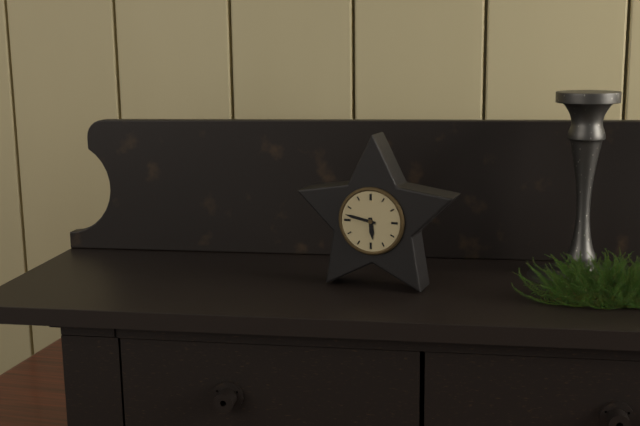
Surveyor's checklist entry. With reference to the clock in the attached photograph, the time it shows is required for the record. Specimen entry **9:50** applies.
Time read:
**5:47**
